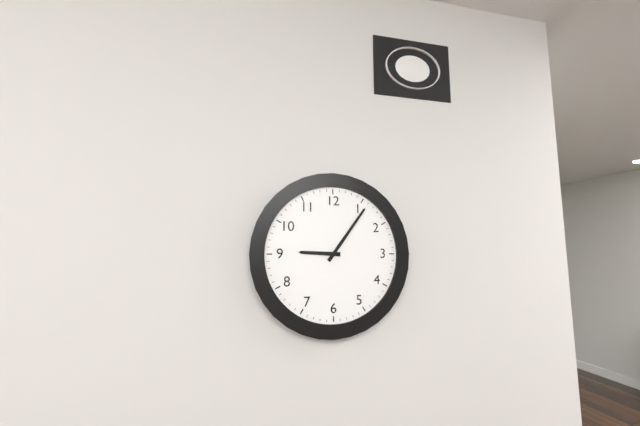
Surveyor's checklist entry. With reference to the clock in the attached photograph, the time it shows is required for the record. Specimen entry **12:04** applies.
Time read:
**9:06**
